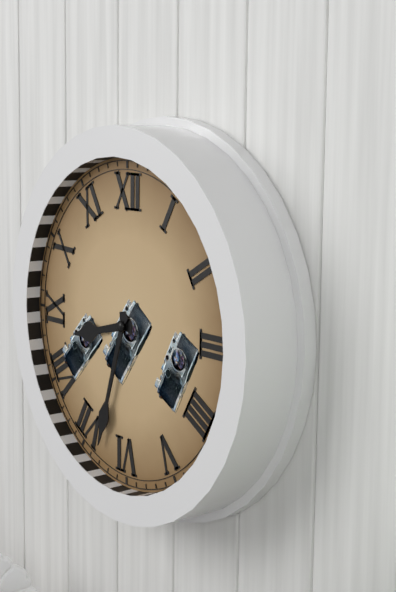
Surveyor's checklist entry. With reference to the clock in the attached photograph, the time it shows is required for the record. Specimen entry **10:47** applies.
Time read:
**8:33**
